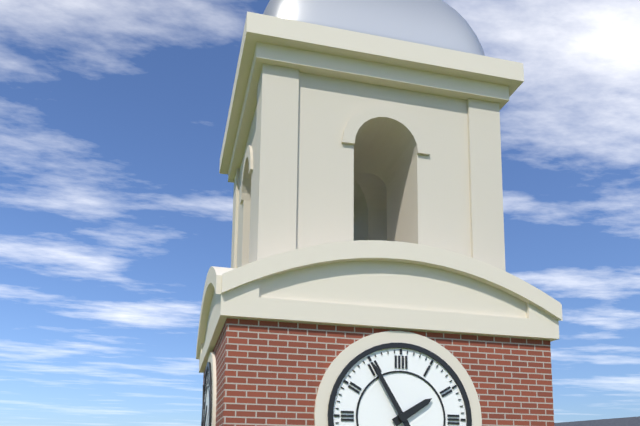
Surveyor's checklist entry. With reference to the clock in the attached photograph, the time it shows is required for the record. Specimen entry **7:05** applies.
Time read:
**1:55**
